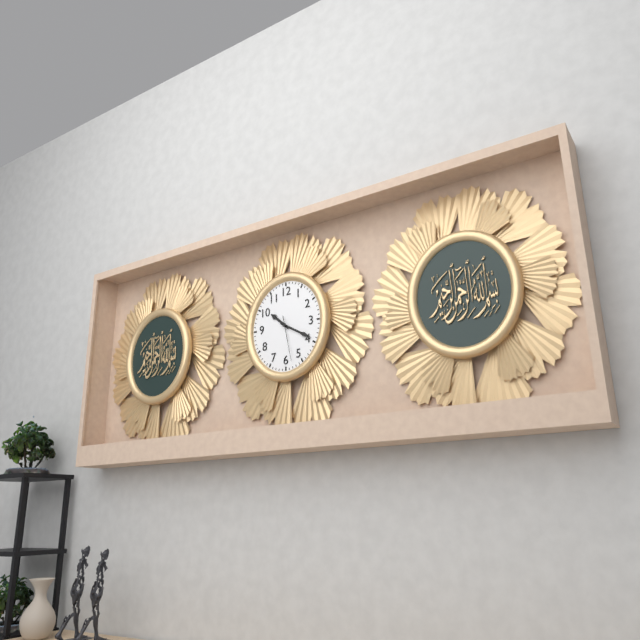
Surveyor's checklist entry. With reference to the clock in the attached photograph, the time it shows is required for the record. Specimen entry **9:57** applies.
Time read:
**10:20**
